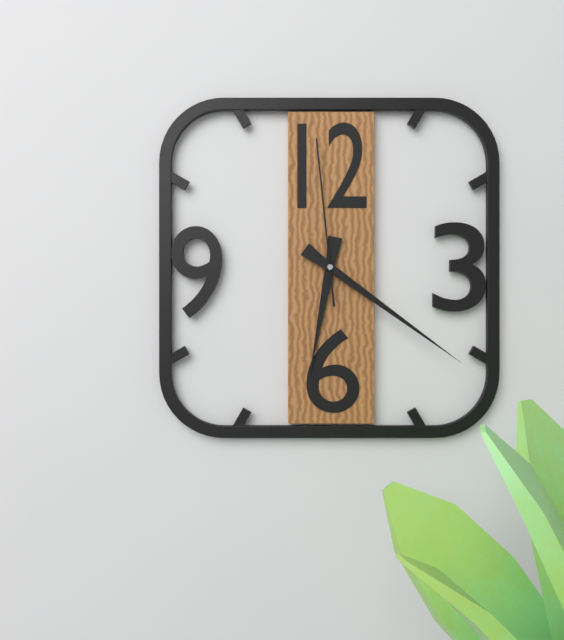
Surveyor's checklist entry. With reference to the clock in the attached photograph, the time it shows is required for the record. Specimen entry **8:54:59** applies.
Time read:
**6:21:59**
